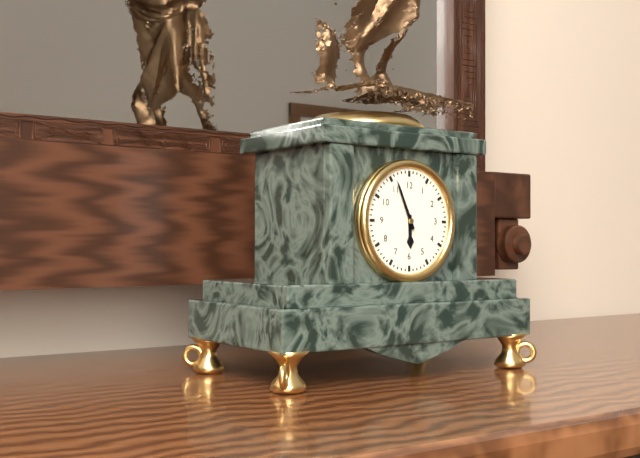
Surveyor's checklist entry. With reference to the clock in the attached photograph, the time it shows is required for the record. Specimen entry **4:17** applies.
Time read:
**5:56**
